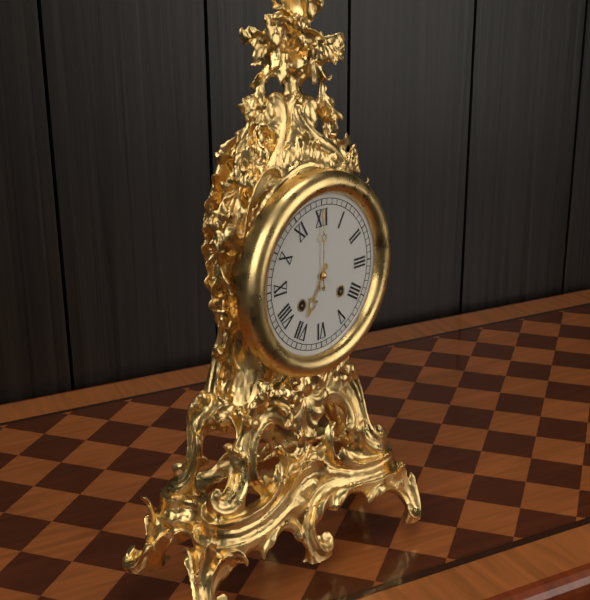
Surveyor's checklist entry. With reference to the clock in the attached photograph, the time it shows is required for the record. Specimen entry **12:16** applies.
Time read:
**7:00**
